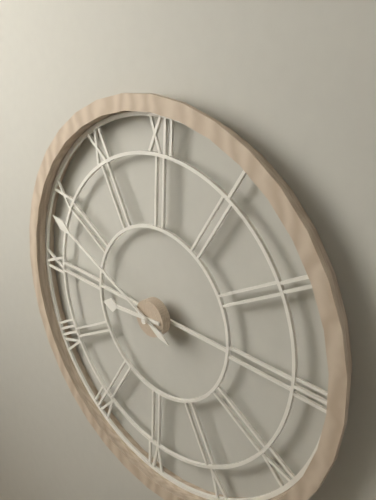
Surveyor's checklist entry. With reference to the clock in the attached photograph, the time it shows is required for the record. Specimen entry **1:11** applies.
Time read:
**8:49**
